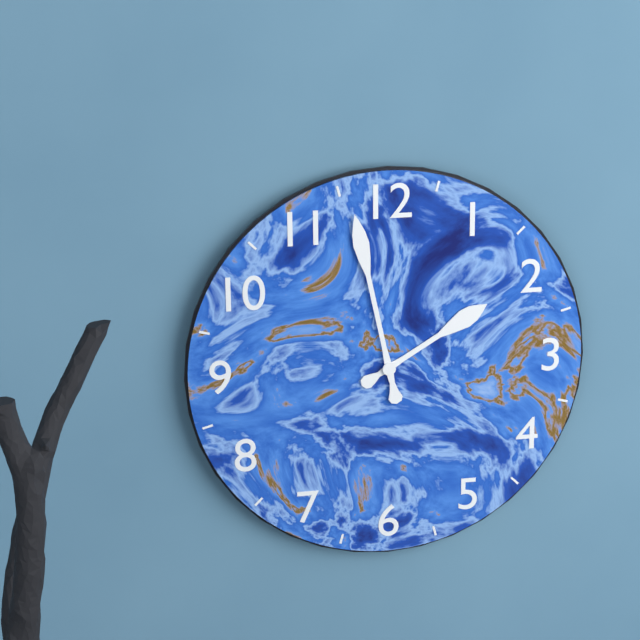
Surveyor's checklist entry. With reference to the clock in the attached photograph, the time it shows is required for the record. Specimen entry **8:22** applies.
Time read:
**1:58**
